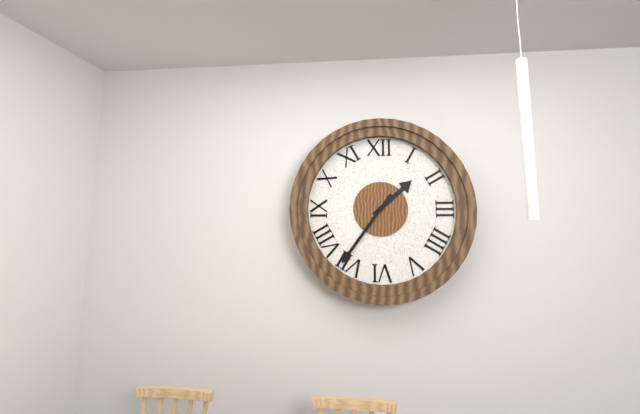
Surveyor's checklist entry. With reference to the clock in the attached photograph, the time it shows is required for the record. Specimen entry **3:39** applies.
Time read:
**1:36**
